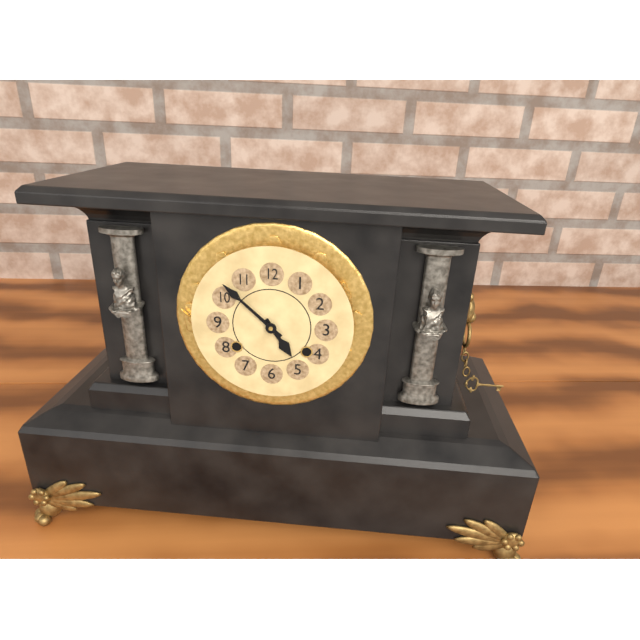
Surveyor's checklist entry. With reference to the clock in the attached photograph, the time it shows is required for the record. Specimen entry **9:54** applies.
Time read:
**4:52**
